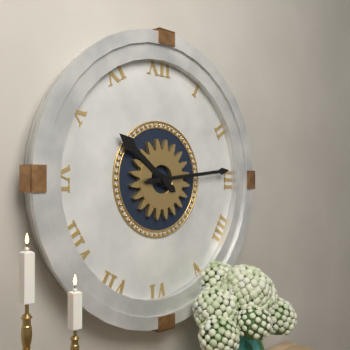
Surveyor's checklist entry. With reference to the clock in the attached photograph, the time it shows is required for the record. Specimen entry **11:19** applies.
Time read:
**10:14**
